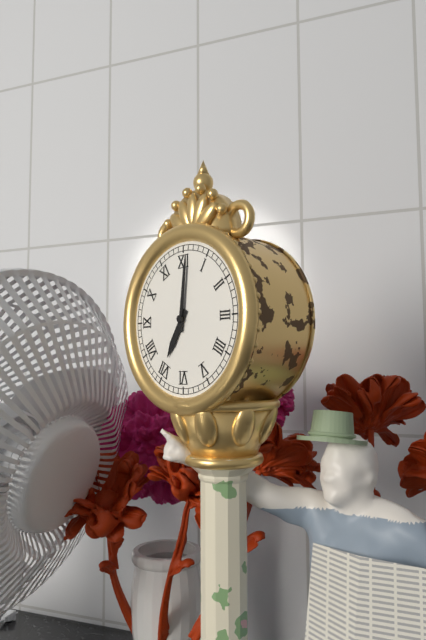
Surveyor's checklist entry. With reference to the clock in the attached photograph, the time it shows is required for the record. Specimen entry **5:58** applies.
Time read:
**7:01**
